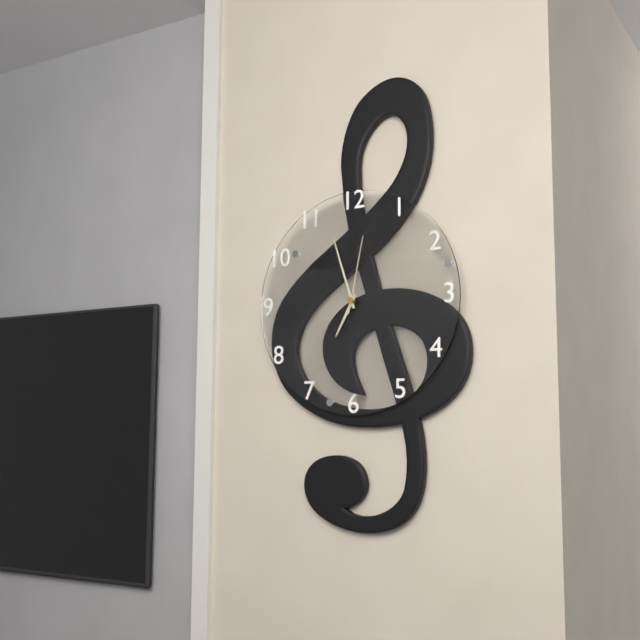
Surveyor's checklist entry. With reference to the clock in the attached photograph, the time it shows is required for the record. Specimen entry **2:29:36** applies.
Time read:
**6:57:02**
